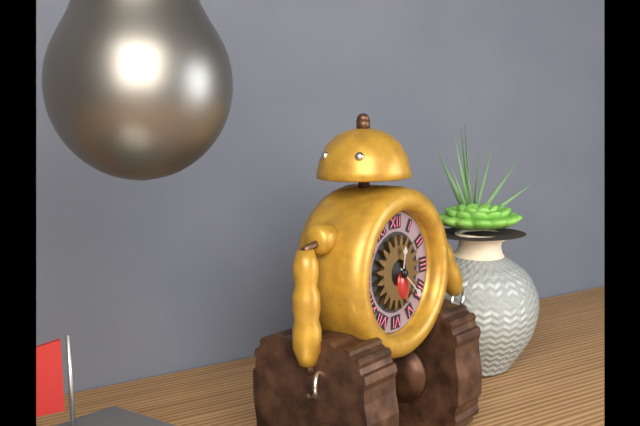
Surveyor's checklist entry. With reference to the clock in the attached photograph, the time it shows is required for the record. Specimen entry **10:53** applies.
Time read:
**12:22**
